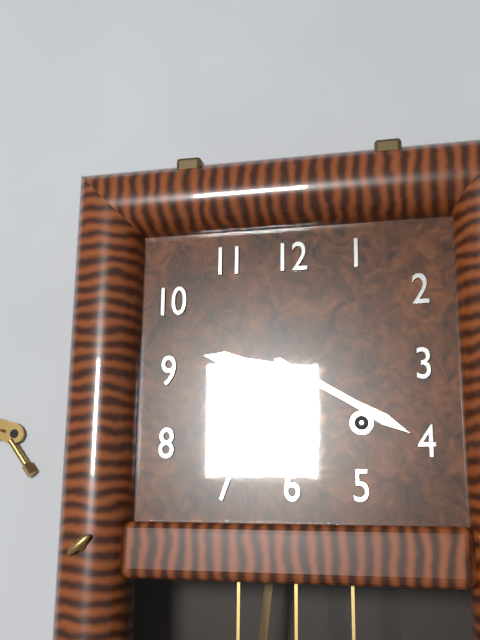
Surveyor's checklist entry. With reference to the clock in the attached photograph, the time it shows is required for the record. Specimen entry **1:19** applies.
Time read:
**9:20**
